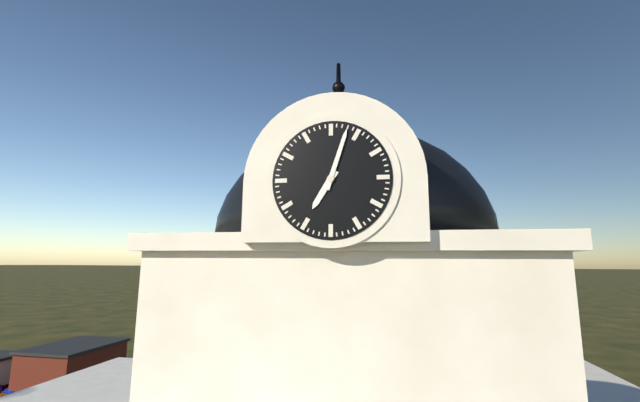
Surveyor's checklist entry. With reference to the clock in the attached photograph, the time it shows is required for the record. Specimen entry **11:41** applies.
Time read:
**7:03**
